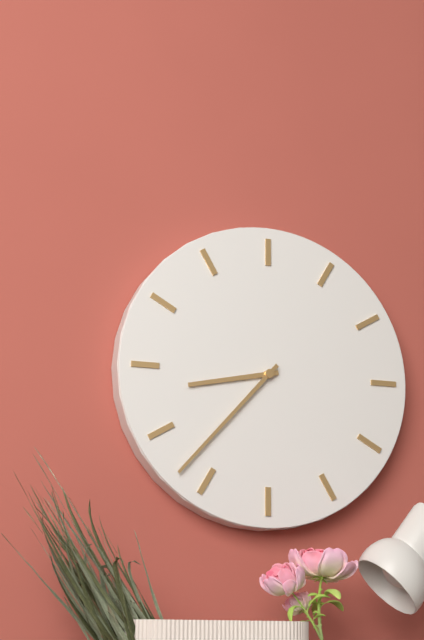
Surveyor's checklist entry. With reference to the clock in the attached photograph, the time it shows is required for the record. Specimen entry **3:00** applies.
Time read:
**8:37**
